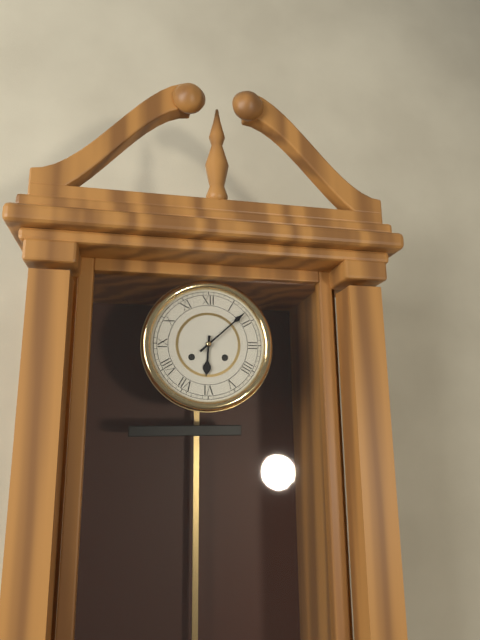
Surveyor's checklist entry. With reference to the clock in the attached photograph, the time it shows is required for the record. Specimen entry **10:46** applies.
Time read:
**6:08**
